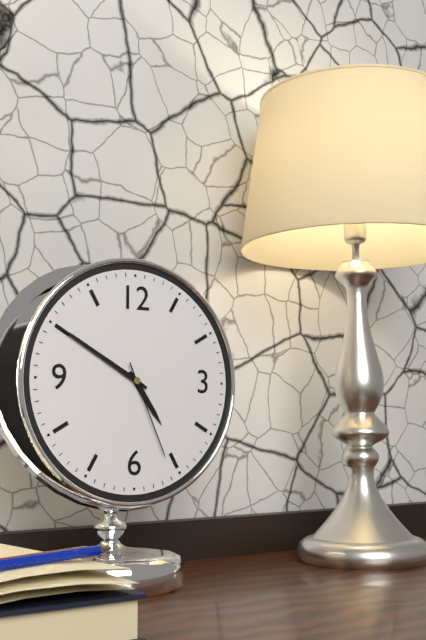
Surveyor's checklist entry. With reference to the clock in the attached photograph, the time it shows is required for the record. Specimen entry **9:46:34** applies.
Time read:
**4:50:26**
